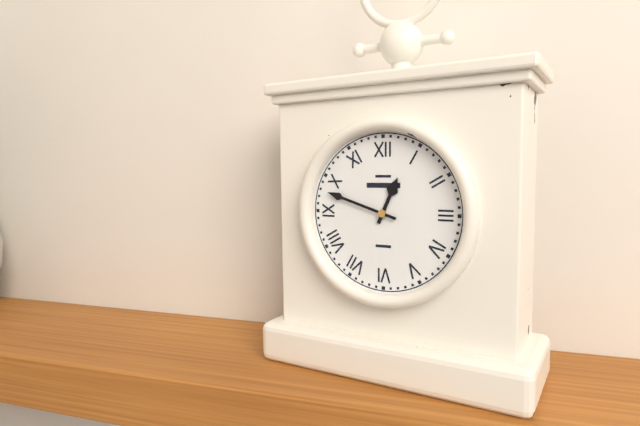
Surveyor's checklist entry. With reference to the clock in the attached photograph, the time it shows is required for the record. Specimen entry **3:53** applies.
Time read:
**12:48**
